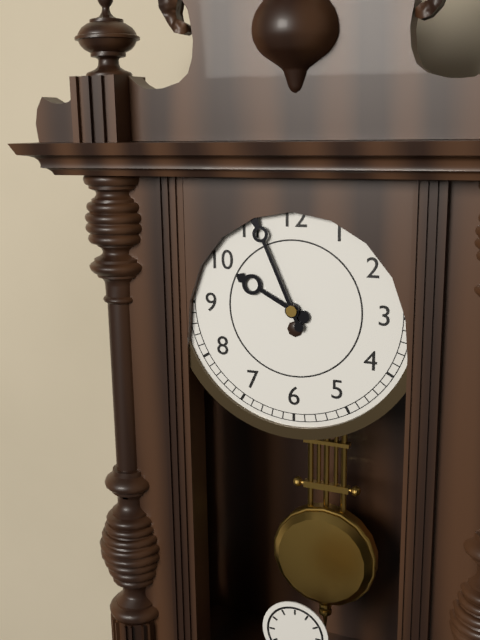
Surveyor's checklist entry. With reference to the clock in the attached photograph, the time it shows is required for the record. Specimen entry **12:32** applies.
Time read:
**9:56**
